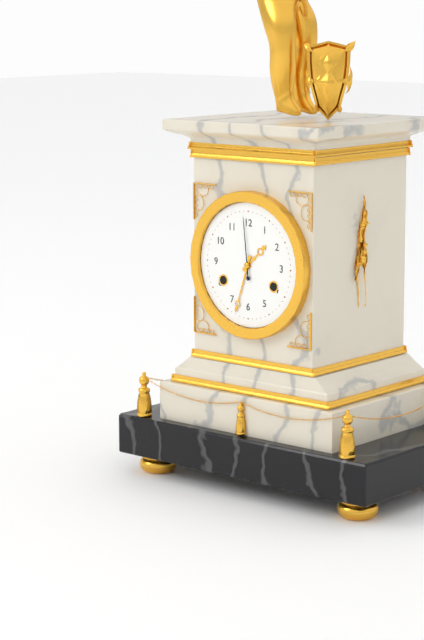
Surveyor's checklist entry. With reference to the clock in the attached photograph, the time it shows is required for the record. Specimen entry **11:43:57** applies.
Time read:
**1:33:59**
